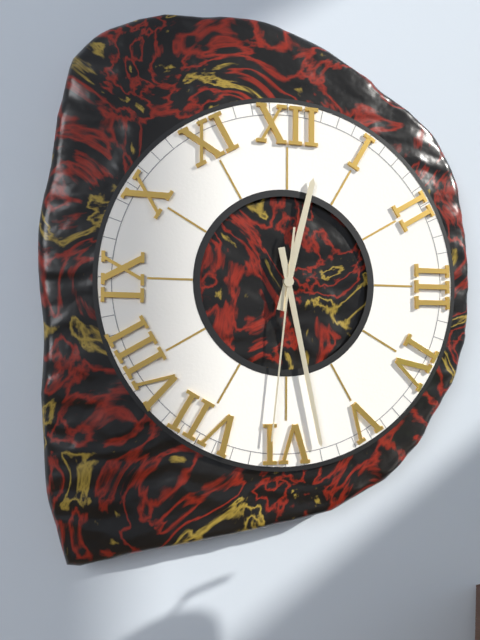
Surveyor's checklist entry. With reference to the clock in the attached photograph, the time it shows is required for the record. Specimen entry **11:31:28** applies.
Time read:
**12:28:31**
